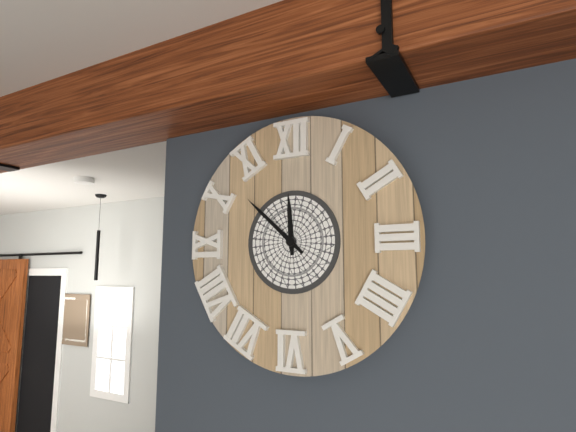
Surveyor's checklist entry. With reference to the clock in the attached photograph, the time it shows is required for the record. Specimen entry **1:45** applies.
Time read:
**11:52**
